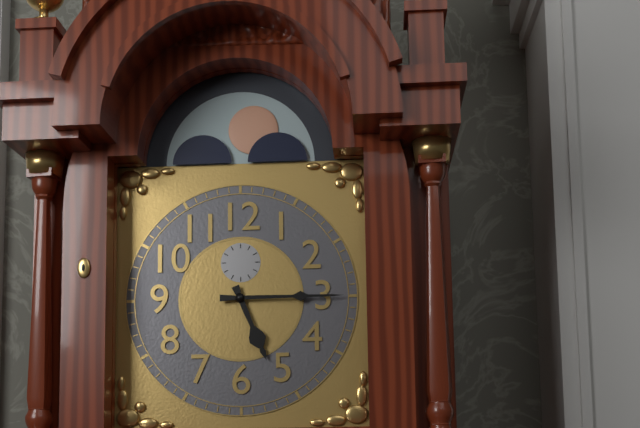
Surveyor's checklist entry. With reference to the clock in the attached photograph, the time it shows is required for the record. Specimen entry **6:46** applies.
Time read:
**5:15**
